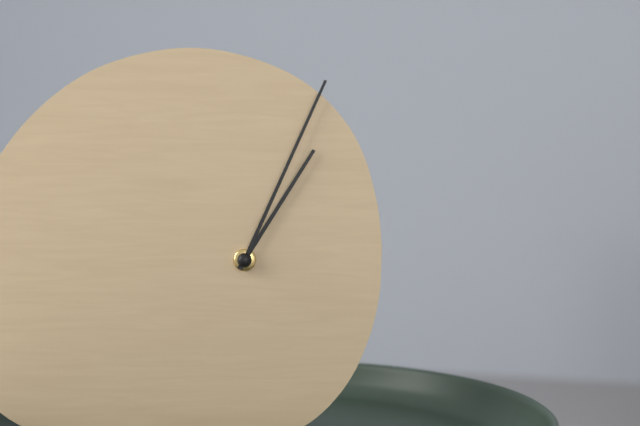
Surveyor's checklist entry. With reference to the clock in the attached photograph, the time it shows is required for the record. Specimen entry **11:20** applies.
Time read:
**1:04**
